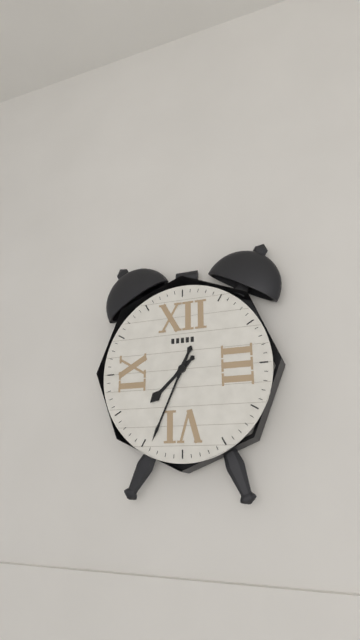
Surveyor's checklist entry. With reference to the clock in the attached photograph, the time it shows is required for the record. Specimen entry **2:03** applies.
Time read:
**7:34**
